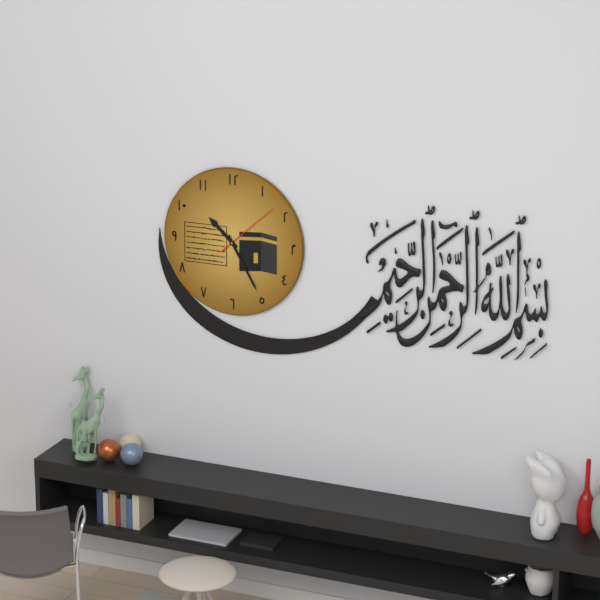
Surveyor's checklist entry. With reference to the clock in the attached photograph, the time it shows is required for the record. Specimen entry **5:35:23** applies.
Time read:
**10:25:08**
